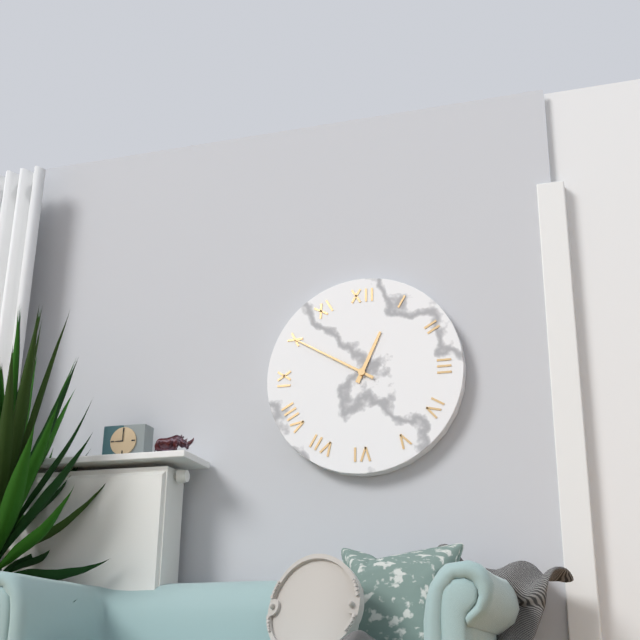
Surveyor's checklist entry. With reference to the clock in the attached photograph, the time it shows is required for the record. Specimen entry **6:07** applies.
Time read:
**12:50**
